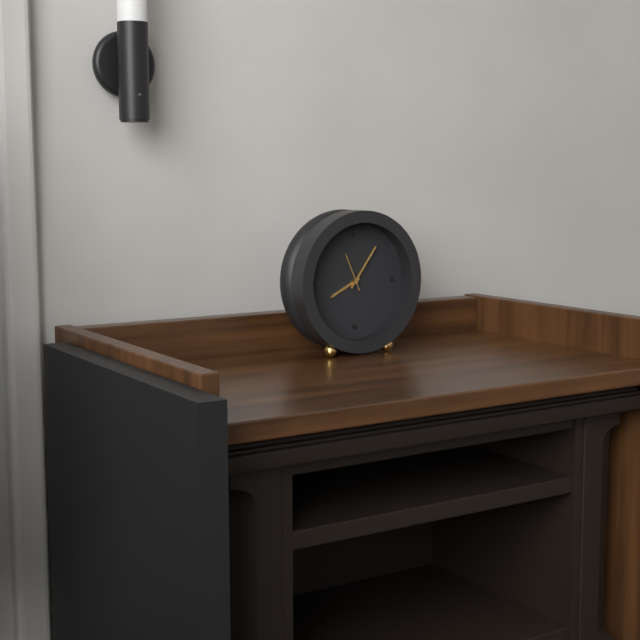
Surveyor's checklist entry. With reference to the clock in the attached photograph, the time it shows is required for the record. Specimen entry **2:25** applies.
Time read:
**8:06**
